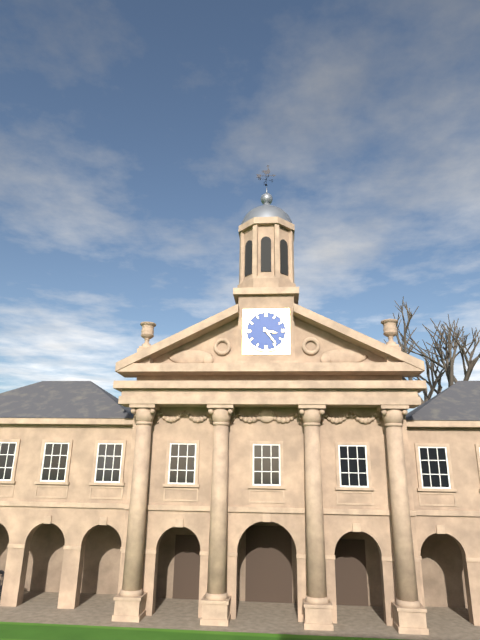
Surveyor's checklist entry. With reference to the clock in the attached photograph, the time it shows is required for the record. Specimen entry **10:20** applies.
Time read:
**3:24**
